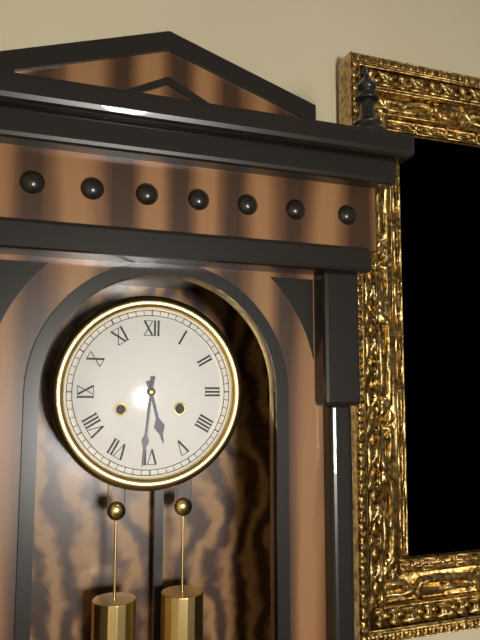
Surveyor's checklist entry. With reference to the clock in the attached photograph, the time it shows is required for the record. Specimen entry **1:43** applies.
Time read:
**5:31**
